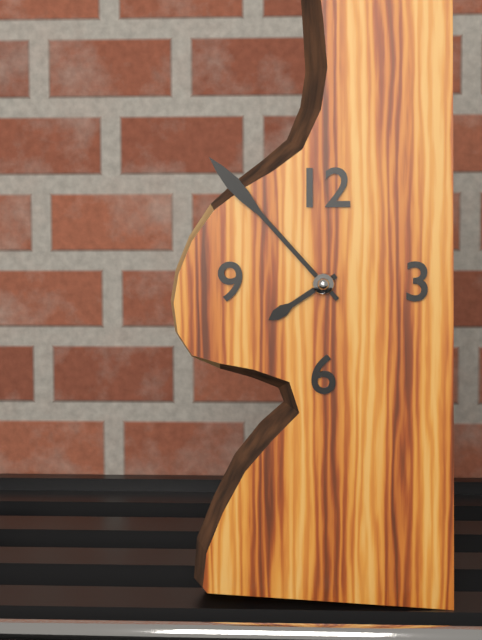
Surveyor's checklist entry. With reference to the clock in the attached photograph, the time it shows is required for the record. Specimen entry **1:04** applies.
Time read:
**7:53**
